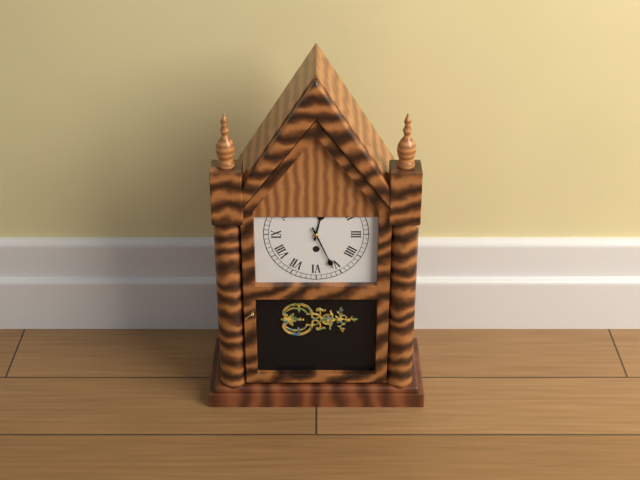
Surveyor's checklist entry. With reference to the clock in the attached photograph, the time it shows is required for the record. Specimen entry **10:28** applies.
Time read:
**12:26**
